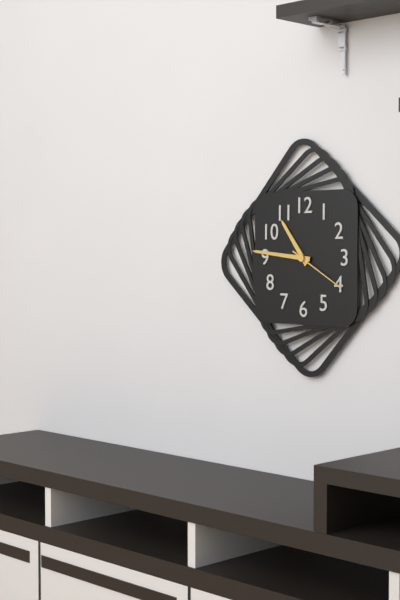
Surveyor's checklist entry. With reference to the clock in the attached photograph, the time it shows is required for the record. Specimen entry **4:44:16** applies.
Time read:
**10:46:20**
